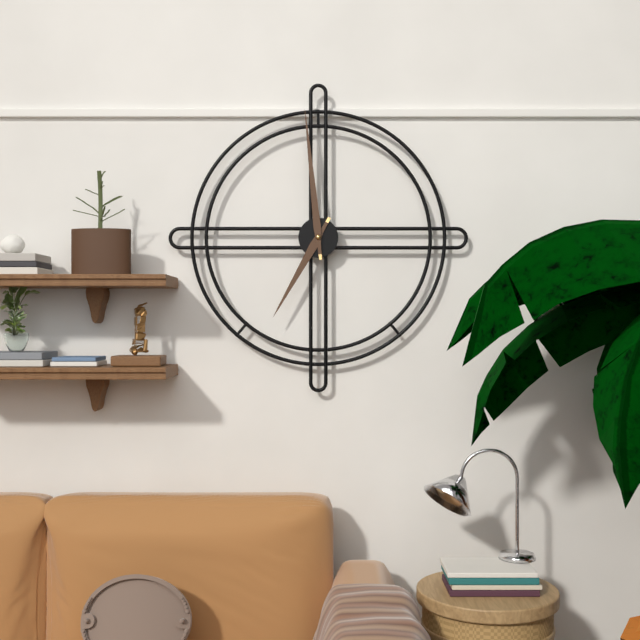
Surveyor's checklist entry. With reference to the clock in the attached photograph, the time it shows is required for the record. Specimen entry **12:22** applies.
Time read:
**6:59**
